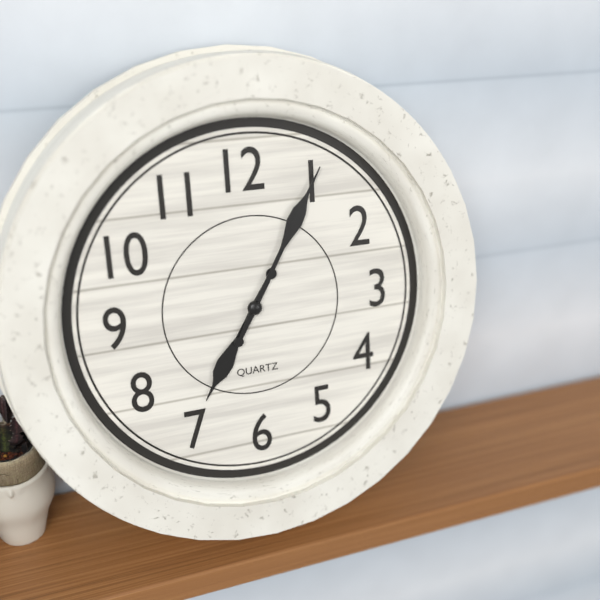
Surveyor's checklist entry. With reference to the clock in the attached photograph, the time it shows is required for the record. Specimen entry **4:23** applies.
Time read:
**7:05**
